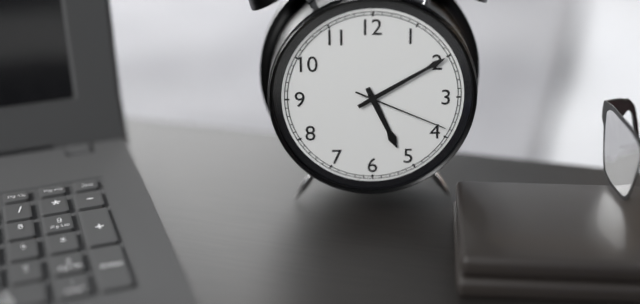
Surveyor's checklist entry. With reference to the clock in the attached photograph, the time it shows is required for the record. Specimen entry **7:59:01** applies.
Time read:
**5:10:19**
